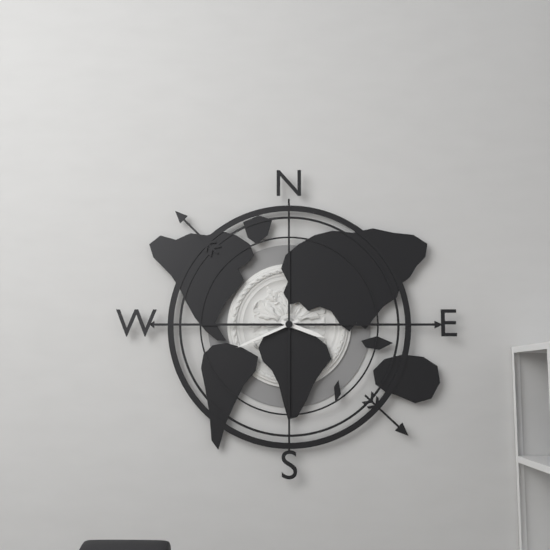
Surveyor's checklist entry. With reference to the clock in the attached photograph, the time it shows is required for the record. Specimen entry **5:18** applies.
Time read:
**3:41**
